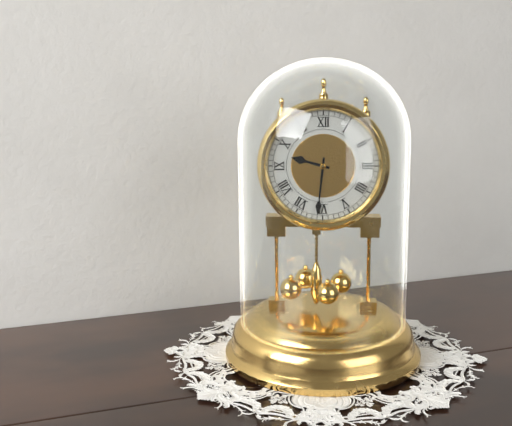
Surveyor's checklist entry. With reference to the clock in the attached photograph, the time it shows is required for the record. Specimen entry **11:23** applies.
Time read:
**9:31**
